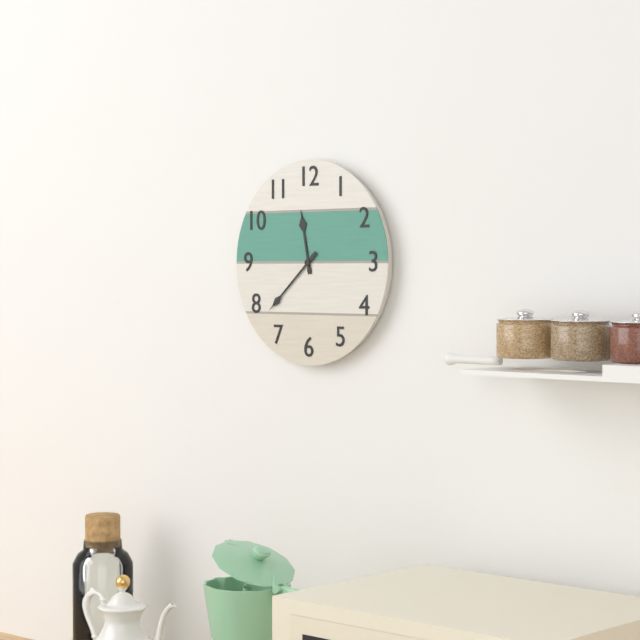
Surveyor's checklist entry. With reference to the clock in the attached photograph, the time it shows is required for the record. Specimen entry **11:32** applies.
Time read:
**11:38**
